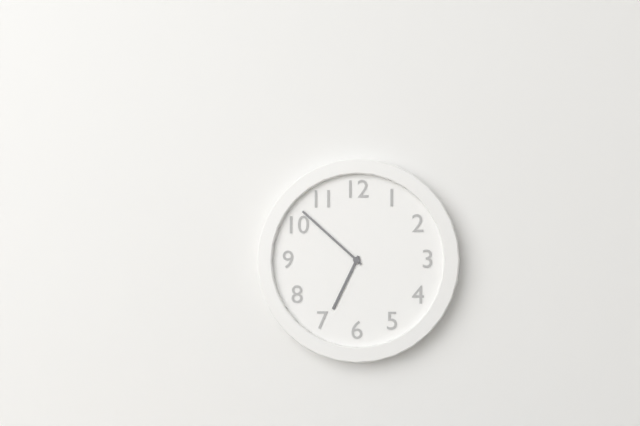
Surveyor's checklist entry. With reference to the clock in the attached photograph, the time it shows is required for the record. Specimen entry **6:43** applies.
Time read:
**6:52**
